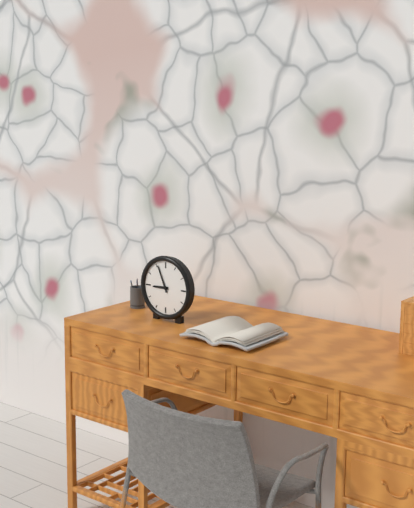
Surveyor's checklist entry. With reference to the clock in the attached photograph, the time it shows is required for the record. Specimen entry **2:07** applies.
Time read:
**8:56**
